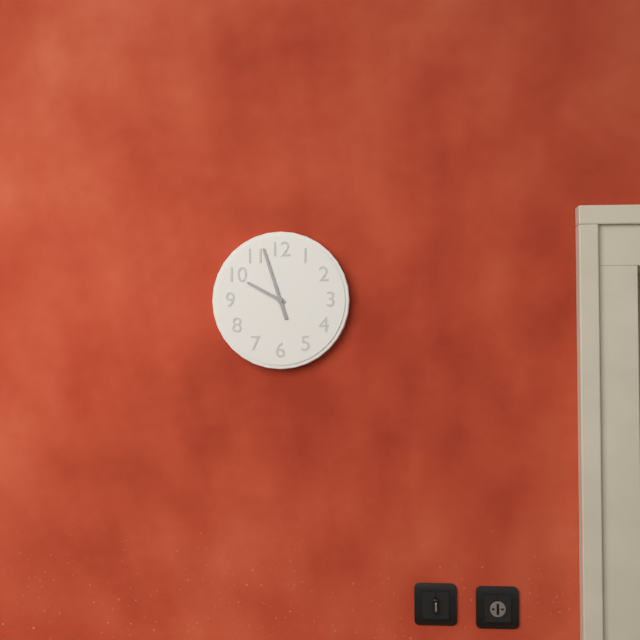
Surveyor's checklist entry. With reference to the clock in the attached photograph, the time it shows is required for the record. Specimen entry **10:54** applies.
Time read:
**9:57**
